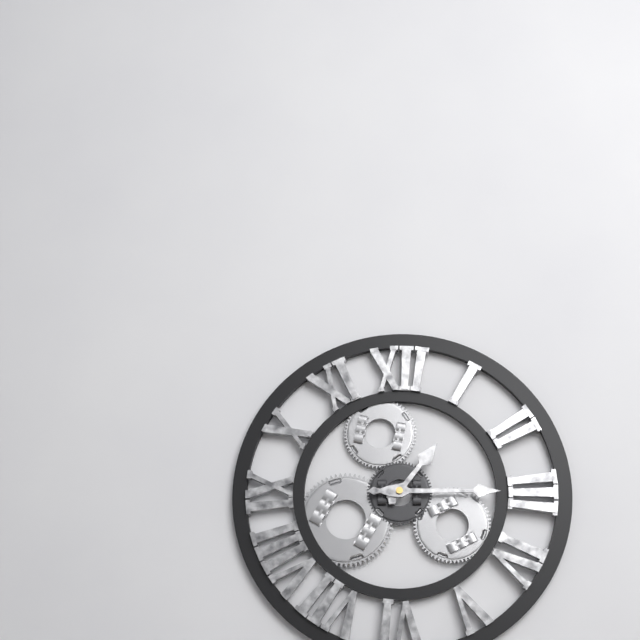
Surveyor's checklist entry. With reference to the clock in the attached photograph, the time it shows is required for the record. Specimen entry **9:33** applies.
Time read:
**1:15**
